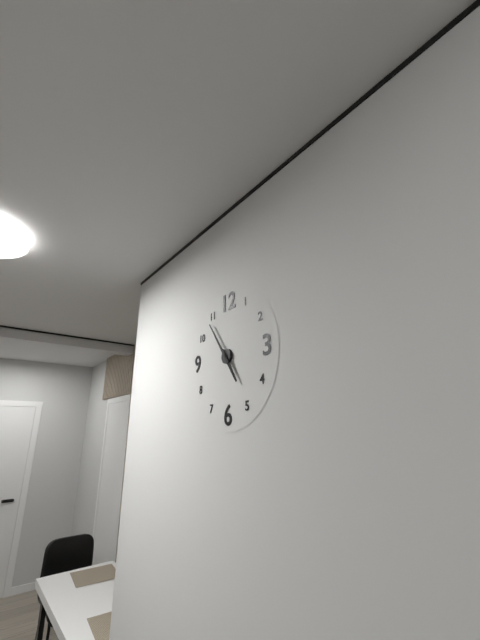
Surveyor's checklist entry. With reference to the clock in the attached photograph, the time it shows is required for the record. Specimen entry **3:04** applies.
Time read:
**4:54**
